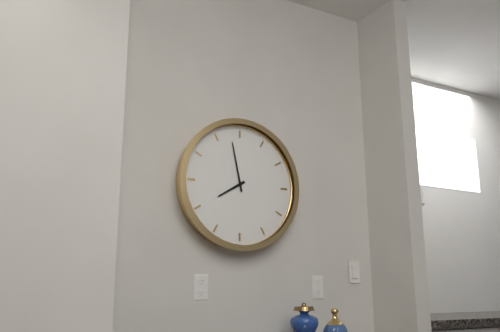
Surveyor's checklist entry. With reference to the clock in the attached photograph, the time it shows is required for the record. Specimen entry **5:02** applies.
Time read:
**7:58**
